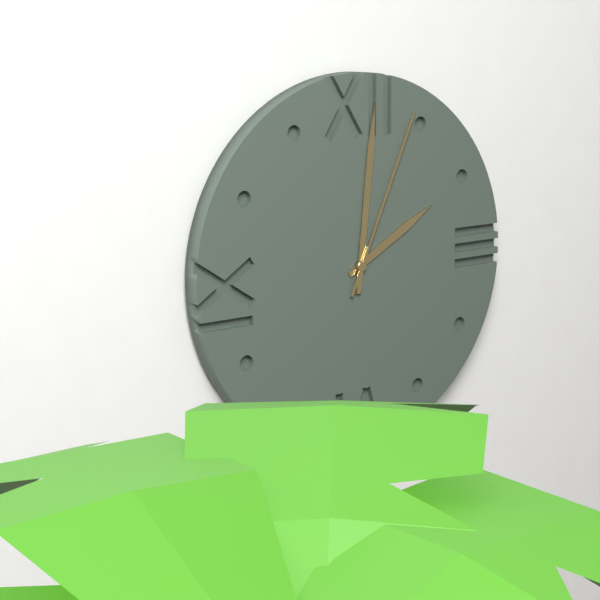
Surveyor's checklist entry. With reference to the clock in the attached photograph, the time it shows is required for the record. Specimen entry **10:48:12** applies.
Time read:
**2:01:04**
